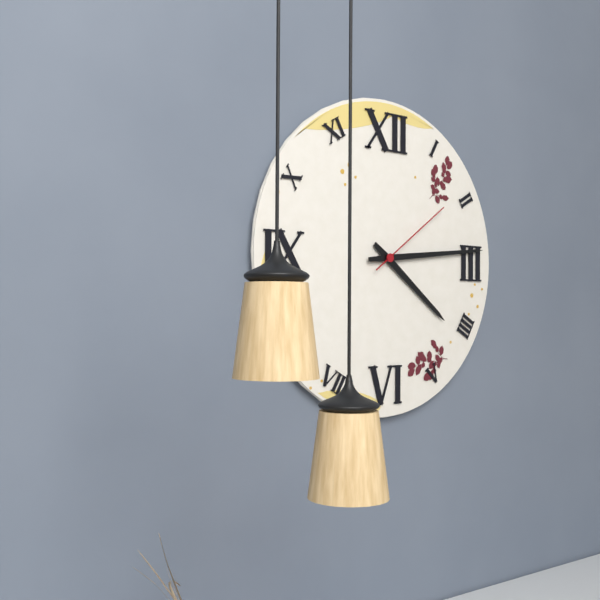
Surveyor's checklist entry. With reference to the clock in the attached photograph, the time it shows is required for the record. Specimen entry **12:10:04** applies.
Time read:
**4:14:09**
